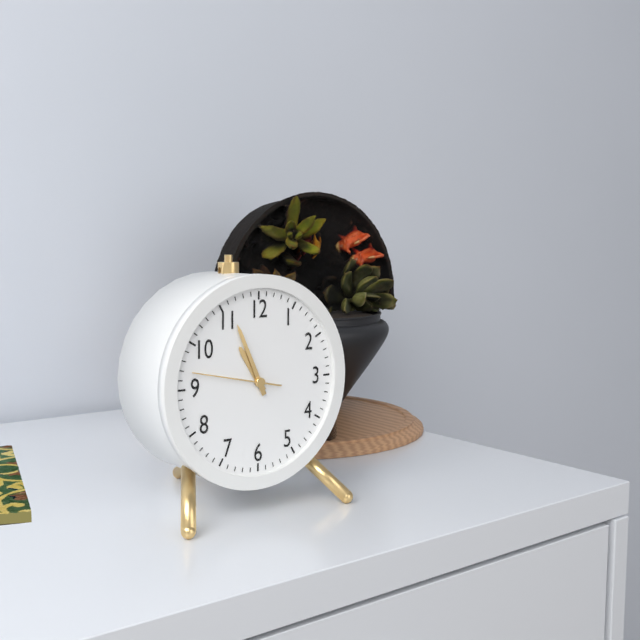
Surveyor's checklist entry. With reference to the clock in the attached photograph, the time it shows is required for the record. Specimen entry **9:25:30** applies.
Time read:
**10:56:47**
